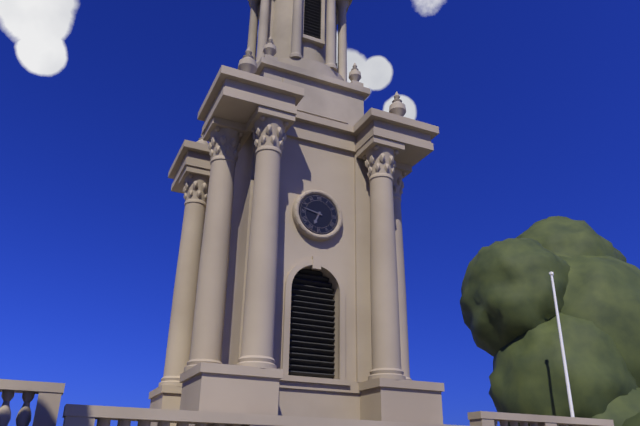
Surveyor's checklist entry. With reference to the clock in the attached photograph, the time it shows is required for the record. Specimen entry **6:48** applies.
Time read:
**6:47**
